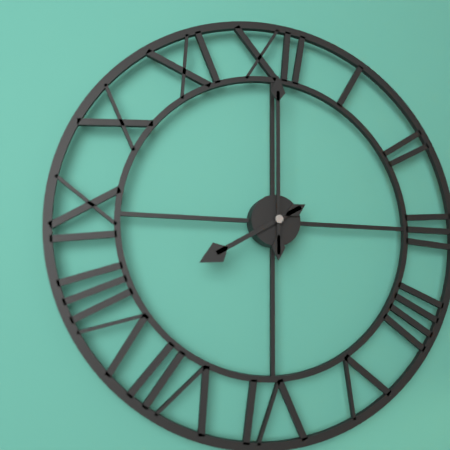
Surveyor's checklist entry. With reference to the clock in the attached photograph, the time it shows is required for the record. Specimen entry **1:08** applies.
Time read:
**8:00**
